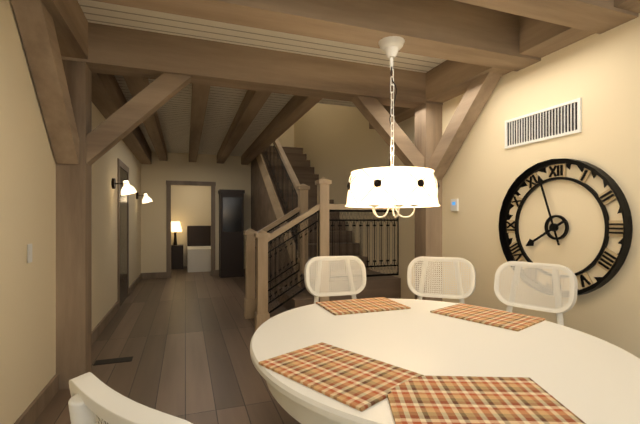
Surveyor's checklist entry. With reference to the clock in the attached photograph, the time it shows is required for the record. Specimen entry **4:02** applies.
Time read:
**7:57**
